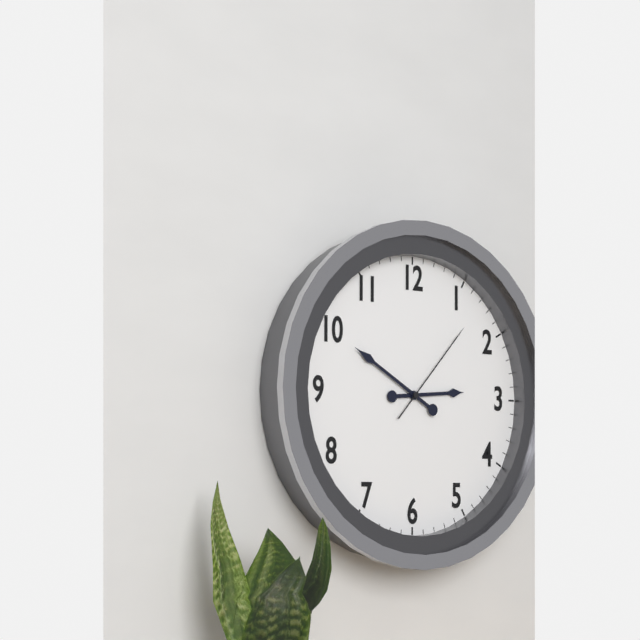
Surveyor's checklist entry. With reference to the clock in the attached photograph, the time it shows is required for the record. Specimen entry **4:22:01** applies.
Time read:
**2:50:07**
